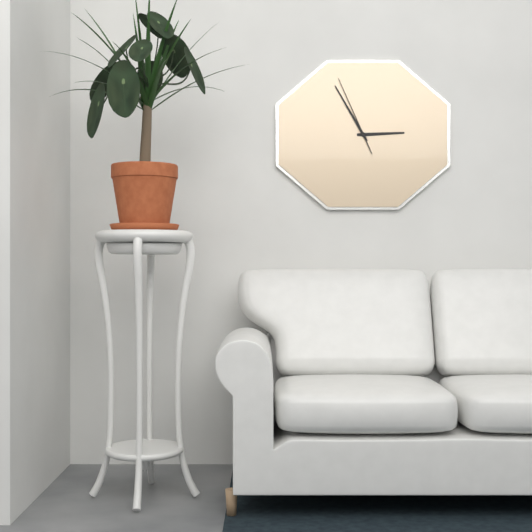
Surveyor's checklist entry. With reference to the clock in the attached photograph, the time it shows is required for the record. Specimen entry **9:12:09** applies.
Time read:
**2:55:56**
